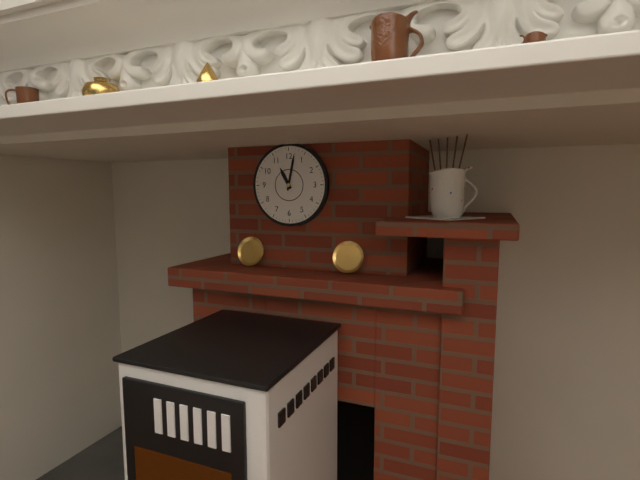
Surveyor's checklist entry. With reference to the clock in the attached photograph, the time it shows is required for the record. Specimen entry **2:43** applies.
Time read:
**11:02**
